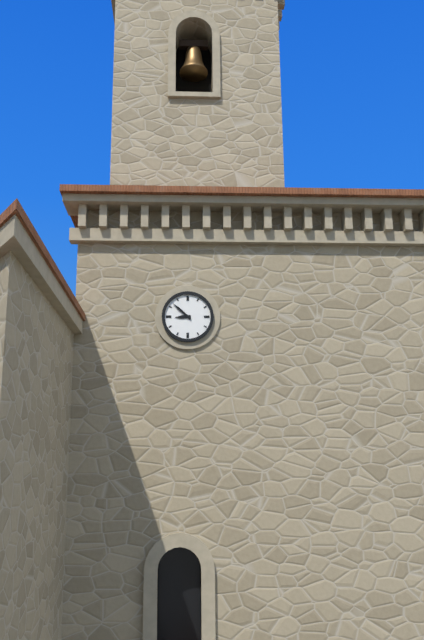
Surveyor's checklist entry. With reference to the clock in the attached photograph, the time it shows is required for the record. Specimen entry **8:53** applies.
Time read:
**8:52**
